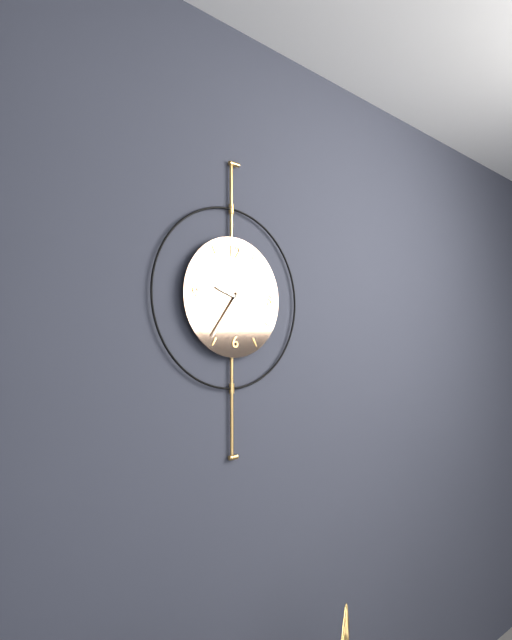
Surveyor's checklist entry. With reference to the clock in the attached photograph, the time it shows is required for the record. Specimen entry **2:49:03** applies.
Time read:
**9:36:01**
